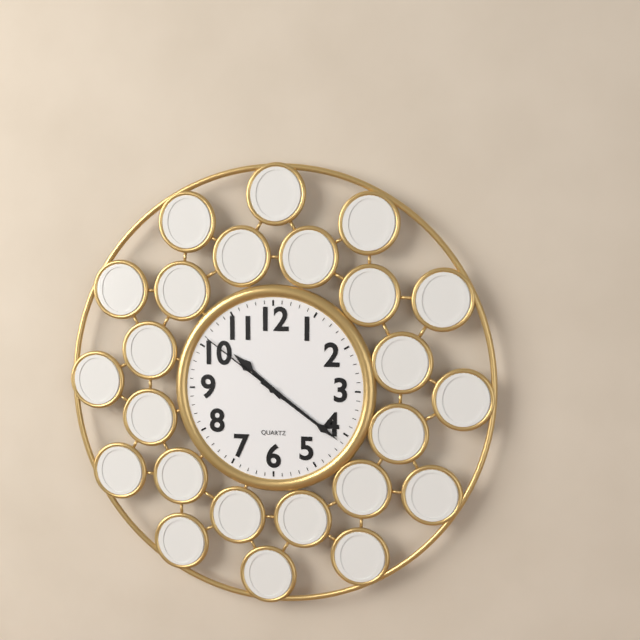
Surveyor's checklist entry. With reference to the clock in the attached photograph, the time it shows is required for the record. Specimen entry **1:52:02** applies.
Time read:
**10:21:51**
